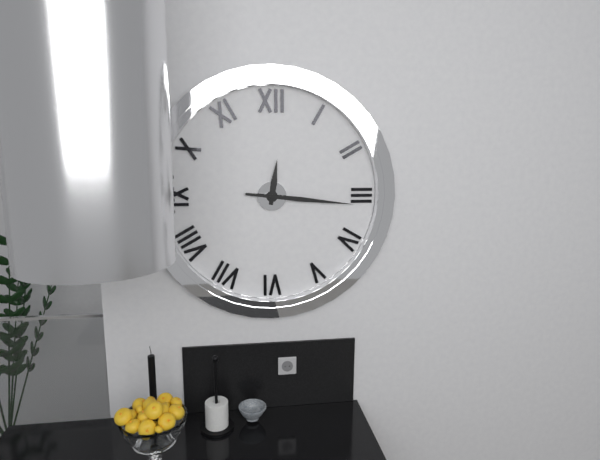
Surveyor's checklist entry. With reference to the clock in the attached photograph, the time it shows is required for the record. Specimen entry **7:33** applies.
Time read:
**12:16**
